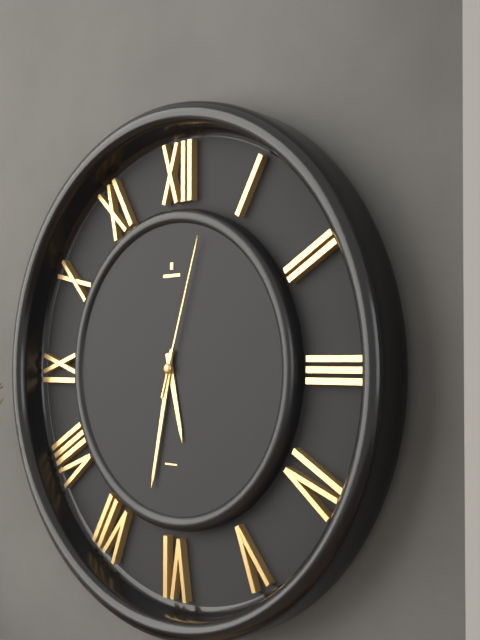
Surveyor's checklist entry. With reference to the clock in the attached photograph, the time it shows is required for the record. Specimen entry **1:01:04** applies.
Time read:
**5:32:03**
